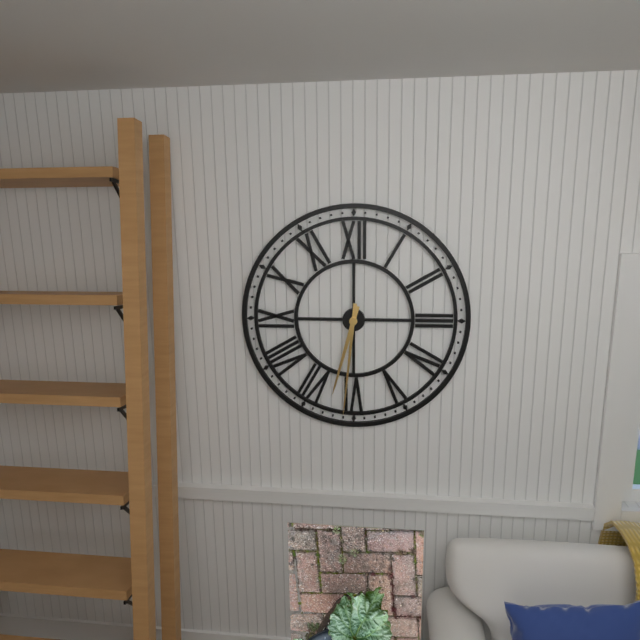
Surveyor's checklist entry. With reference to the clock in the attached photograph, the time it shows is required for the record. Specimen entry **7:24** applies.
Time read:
**6:31**
